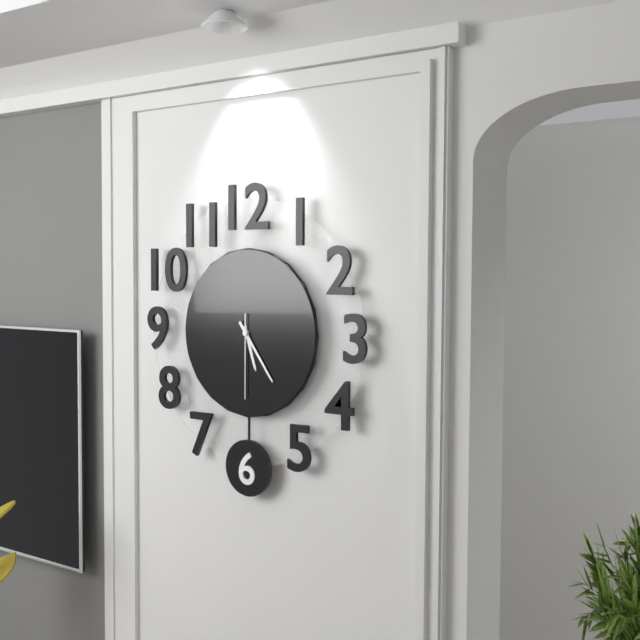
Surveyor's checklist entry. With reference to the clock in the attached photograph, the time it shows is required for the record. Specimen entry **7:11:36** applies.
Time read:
**5:24:30**
